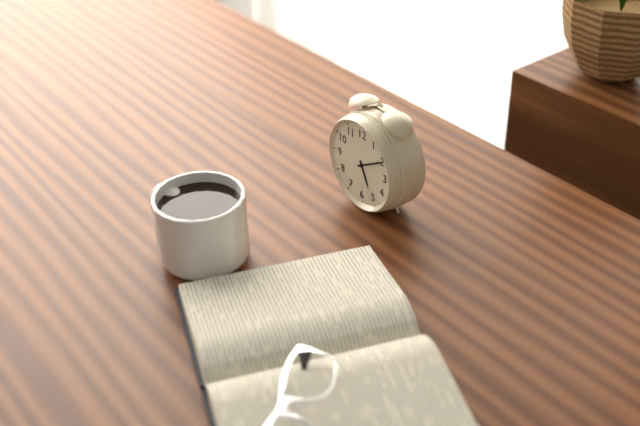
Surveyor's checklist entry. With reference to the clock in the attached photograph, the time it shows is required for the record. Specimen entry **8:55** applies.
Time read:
**5:10**
